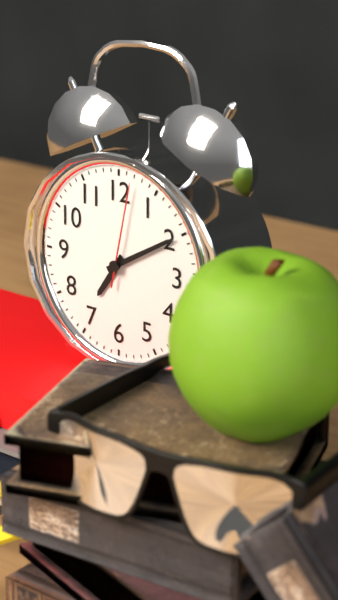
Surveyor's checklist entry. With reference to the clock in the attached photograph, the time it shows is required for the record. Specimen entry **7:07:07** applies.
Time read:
**7:10:02**
